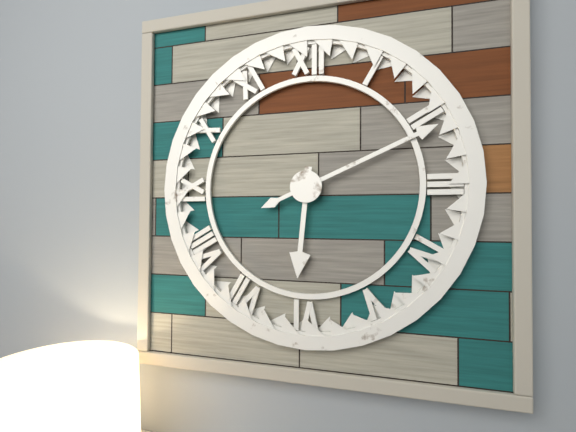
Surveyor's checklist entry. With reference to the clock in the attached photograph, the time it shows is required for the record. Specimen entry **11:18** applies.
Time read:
**6:11**
